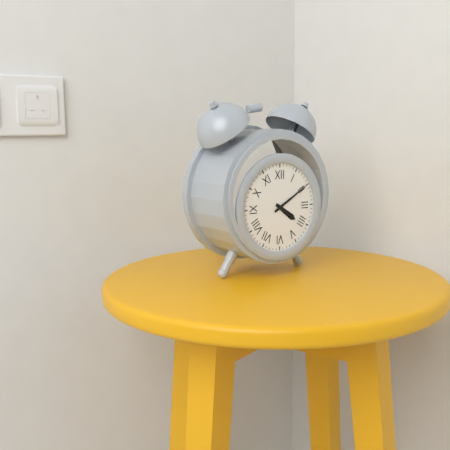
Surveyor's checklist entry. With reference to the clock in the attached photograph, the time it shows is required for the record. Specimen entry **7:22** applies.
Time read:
**4:10**
